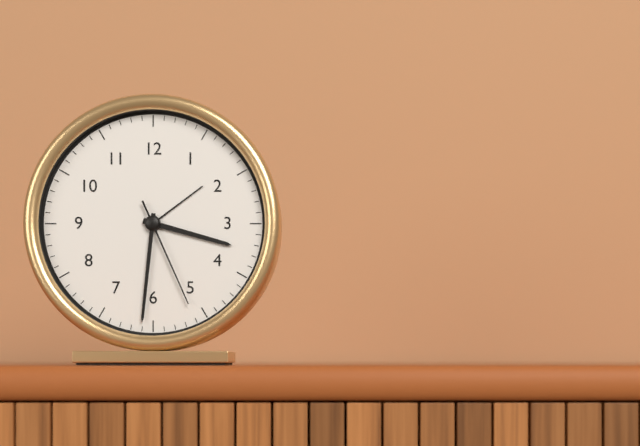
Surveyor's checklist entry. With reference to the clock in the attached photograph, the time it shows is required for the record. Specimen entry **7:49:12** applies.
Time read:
**3:31:26**
